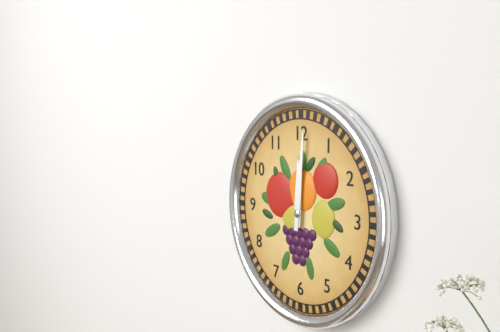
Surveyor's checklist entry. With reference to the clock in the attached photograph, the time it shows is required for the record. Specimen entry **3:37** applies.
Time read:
**12:01**
